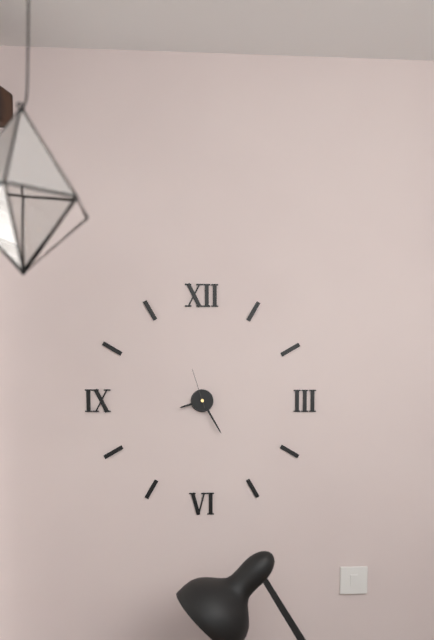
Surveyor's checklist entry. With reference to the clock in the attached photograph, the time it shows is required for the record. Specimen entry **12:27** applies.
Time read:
**8:25**
